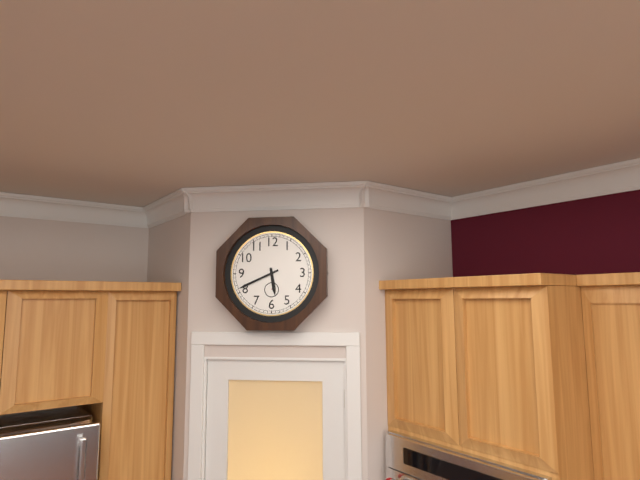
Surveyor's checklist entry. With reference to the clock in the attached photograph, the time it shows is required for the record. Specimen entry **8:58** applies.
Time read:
**5:41**
